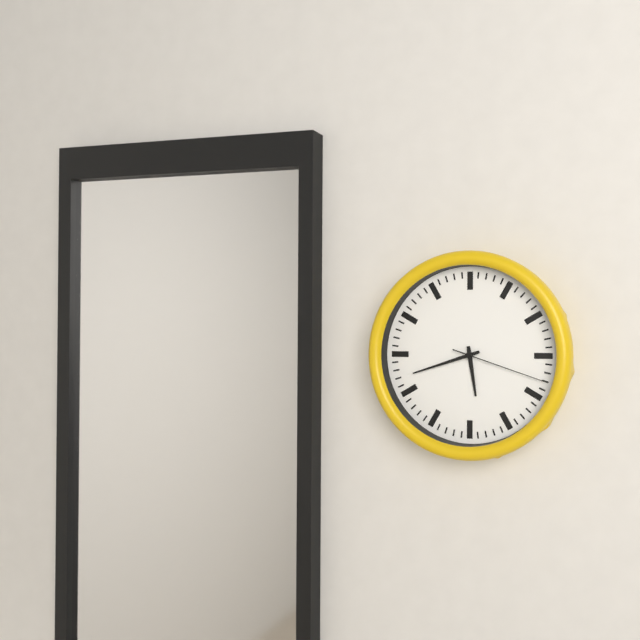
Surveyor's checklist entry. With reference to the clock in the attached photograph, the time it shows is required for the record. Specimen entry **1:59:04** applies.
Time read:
**5:42:18**
